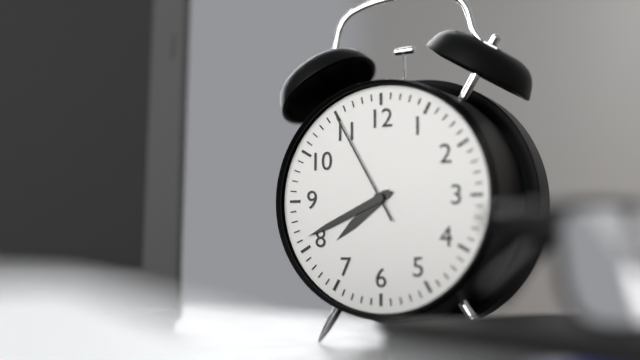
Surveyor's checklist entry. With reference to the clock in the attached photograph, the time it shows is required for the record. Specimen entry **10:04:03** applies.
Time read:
**7:41:55**
